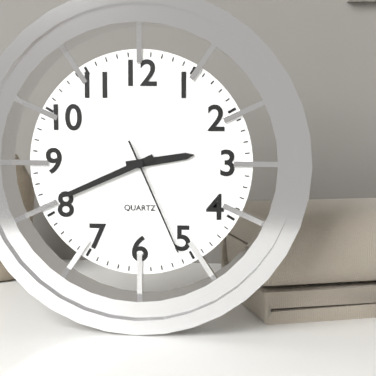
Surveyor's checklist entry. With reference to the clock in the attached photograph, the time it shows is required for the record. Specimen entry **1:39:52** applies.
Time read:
**2:41:26**
